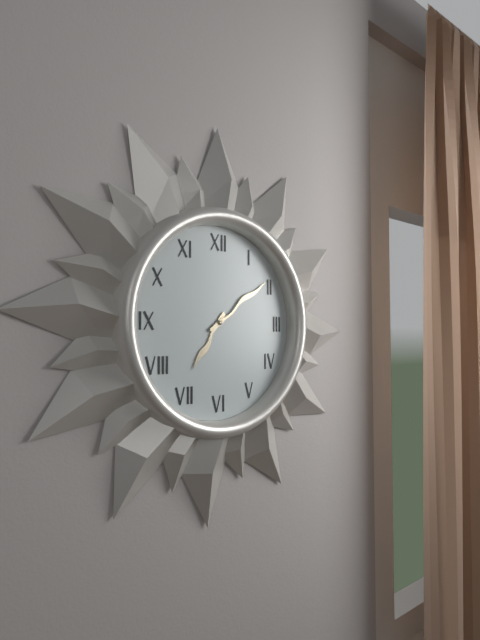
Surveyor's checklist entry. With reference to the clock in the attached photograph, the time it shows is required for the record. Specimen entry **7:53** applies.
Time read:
**7:09**
